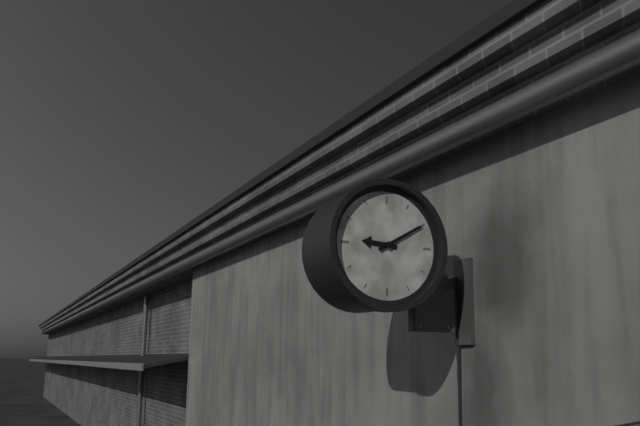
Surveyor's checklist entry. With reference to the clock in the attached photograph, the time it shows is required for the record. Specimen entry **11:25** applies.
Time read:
**9:10**
